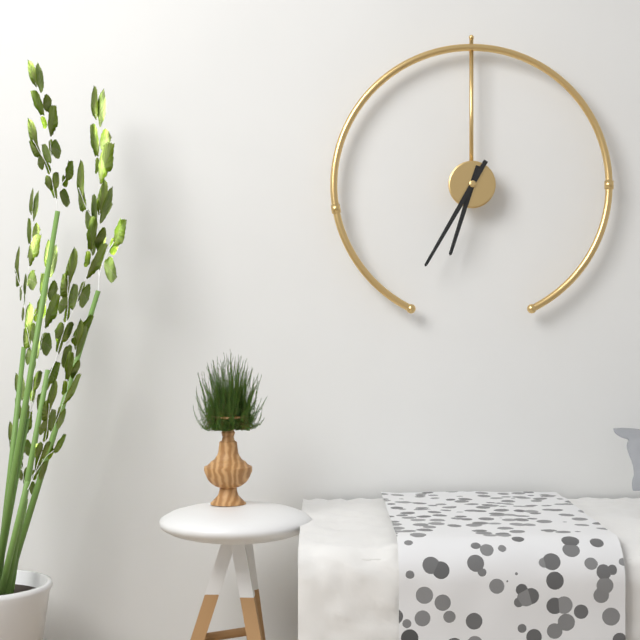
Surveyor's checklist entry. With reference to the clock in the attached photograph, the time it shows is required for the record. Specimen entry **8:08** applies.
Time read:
**6:35**
